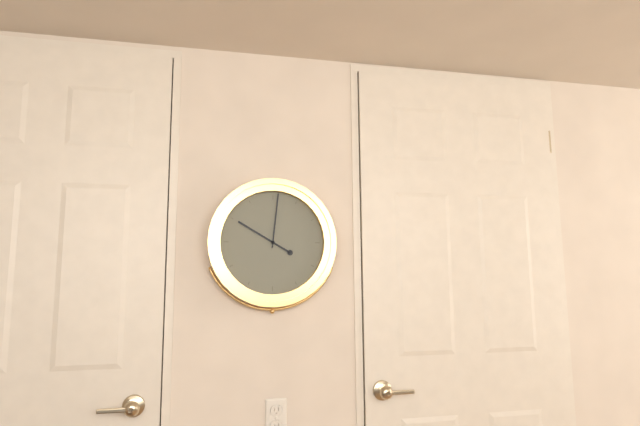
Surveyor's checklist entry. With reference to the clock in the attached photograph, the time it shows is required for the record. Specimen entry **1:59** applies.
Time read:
**10:01**
